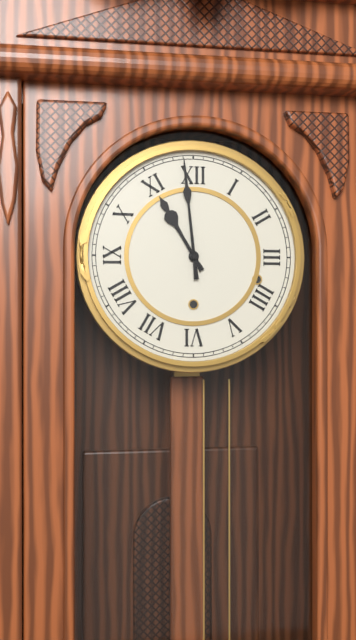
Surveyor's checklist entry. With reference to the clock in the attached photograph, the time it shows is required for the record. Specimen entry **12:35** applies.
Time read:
**10:59**
